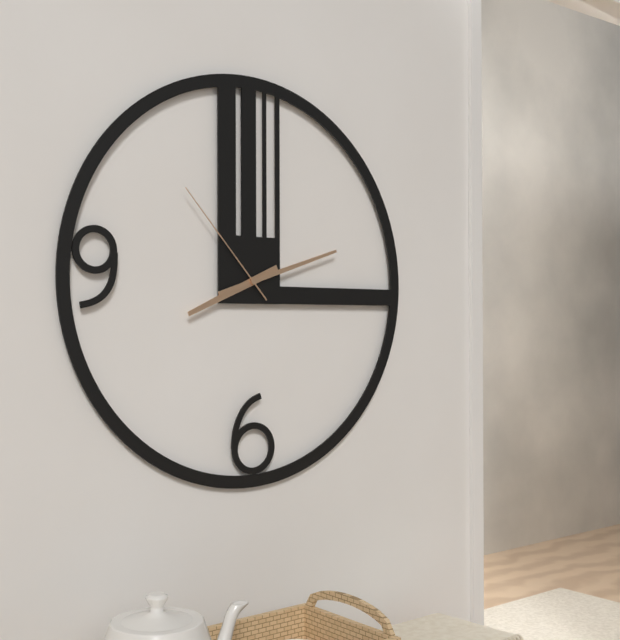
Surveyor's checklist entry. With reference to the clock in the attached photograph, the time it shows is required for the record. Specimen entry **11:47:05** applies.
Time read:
**8:12:53**
